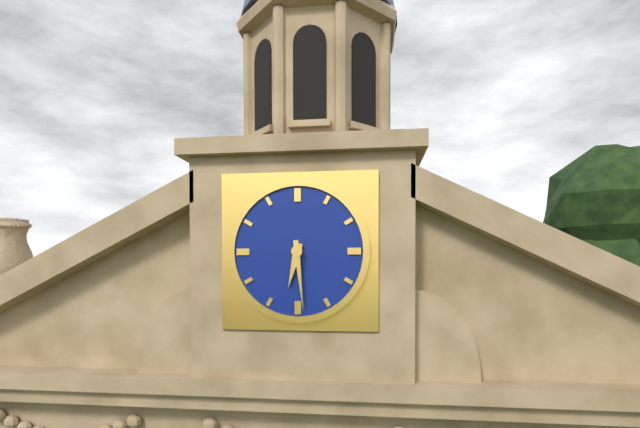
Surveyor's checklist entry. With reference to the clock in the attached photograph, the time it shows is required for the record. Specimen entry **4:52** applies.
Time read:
**6:29**
